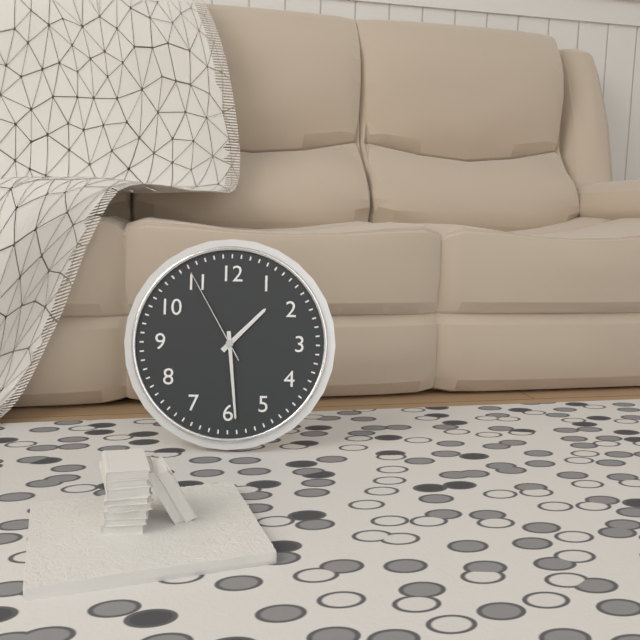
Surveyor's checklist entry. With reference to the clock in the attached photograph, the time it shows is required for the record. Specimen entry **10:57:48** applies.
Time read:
**1:29:55**
